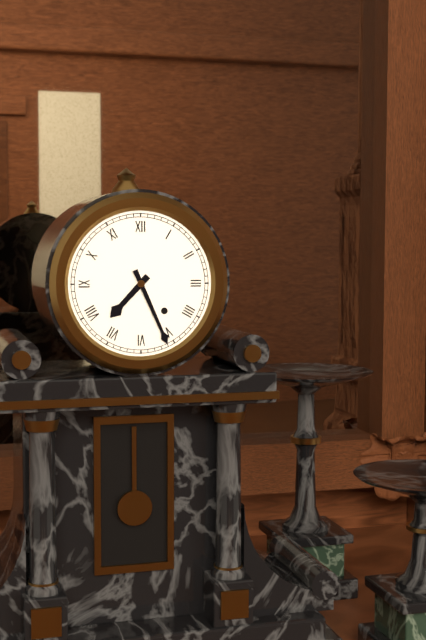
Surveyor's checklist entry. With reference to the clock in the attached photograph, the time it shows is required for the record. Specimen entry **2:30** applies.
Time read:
**7:26**
